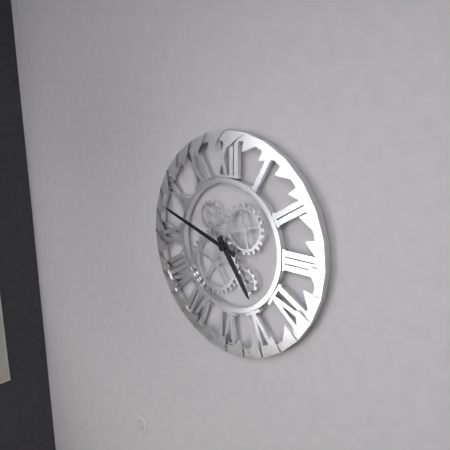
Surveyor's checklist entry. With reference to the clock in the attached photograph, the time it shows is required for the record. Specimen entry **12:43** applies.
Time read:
**4:48**
